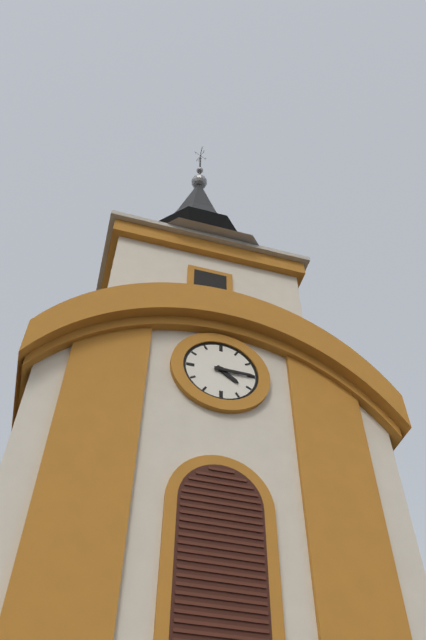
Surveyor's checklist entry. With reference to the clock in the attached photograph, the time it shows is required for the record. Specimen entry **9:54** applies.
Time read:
**4:15**
